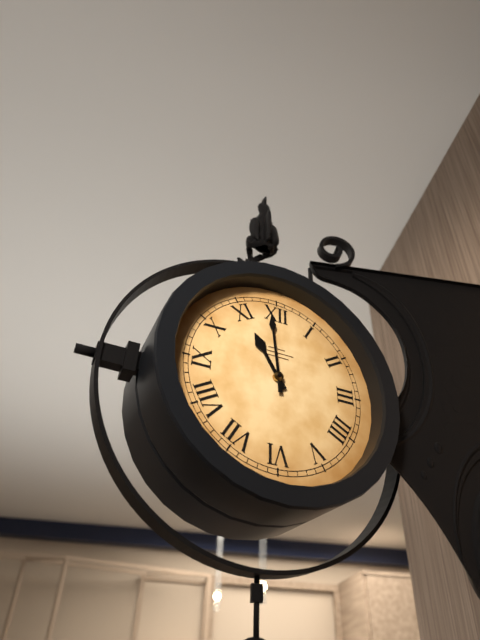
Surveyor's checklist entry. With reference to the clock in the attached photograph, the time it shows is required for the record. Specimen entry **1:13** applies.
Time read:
**10:59**
